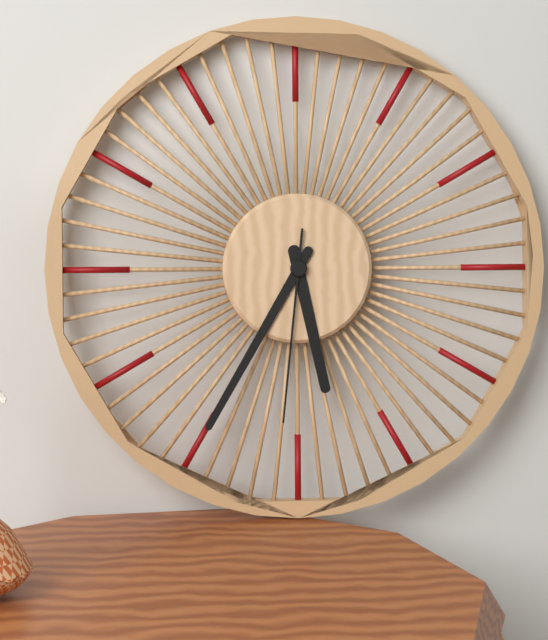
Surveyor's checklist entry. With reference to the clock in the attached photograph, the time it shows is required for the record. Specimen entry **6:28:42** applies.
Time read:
**5:35:31**
